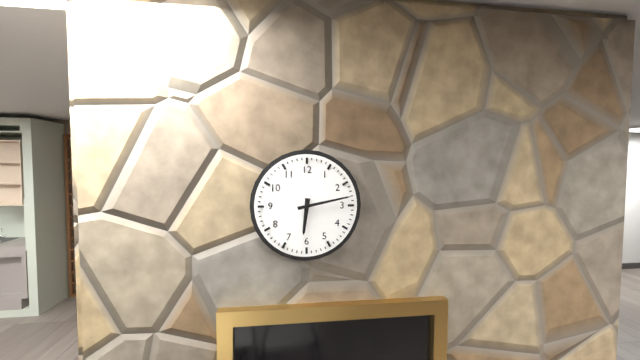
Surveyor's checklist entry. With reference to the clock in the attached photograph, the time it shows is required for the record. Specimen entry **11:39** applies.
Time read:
**6:13**
